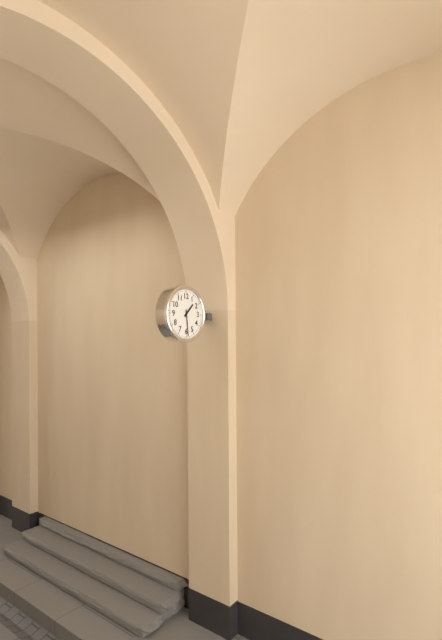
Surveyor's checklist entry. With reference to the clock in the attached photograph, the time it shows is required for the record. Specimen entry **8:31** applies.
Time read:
**1:29**
